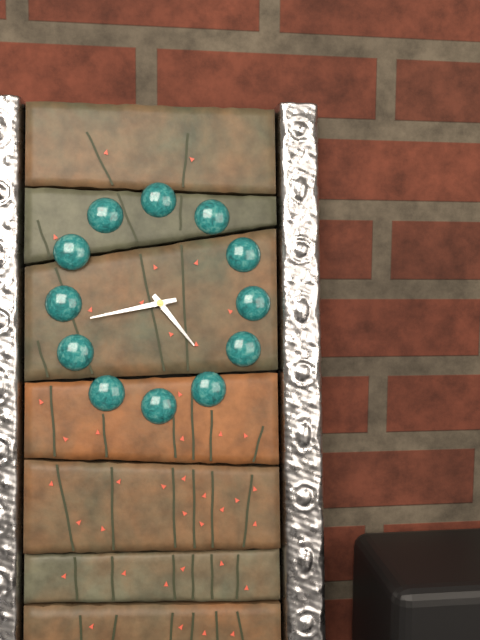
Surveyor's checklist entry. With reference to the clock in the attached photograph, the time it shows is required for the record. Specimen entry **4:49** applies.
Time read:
**4:43**
